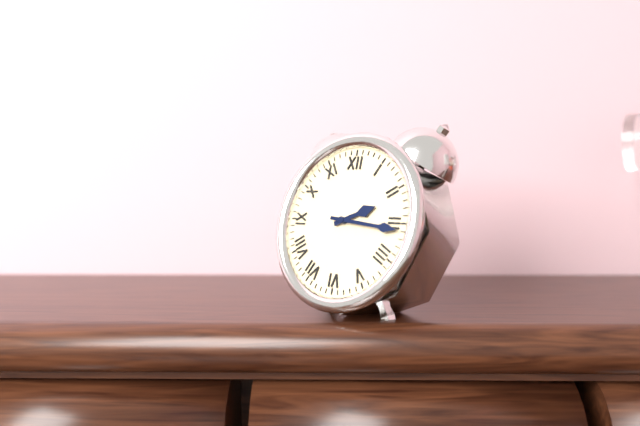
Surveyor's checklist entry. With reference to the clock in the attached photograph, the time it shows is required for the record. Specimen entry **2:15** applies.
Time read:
**2:16**
